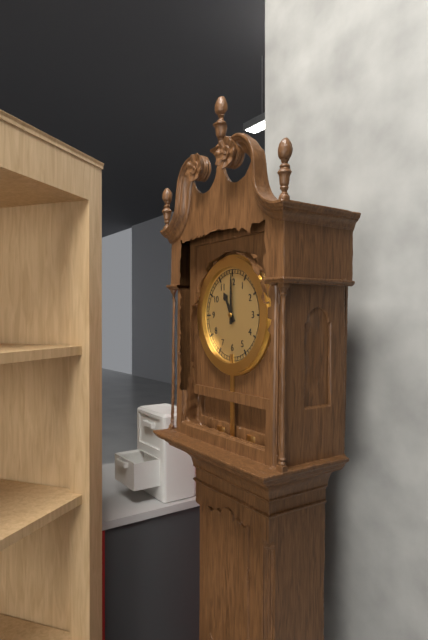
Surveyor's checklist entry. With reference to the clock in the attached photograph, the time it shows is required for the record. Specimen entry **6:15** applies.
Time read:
**11:00**
